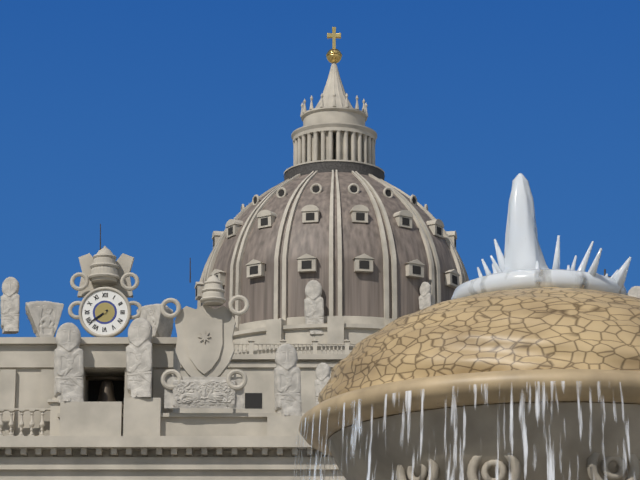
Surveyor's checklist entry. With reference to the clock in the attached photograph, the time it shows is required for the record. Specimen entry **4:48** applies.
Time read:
**7:39**
